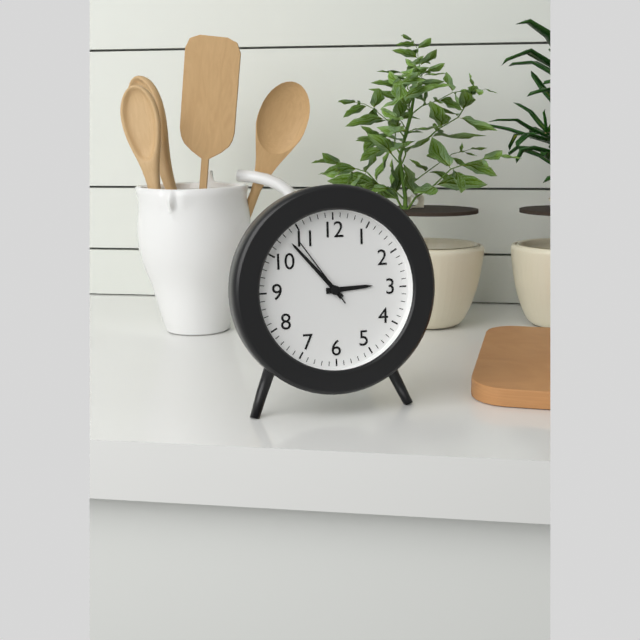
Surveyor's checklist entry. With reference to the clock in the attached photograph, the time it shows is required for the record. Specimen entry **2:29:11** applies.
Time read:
**2:53:54**
